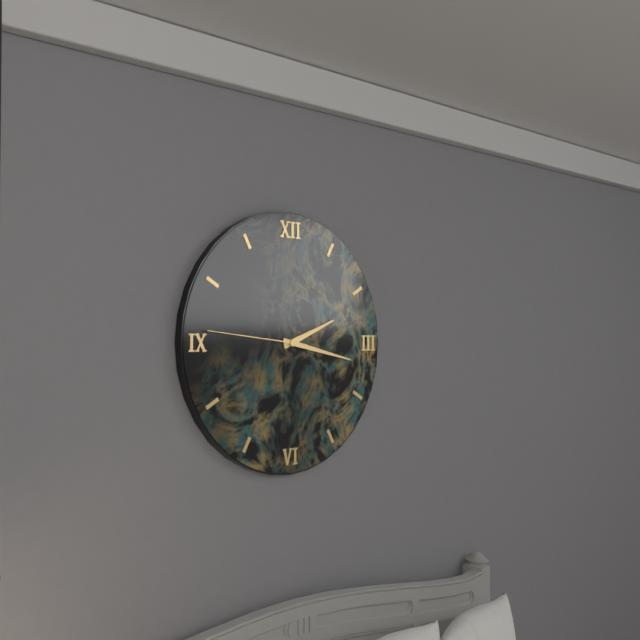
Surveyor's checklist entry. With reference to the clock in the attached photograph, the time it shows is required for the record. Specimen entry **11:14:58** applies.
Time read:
**2:17:46**
